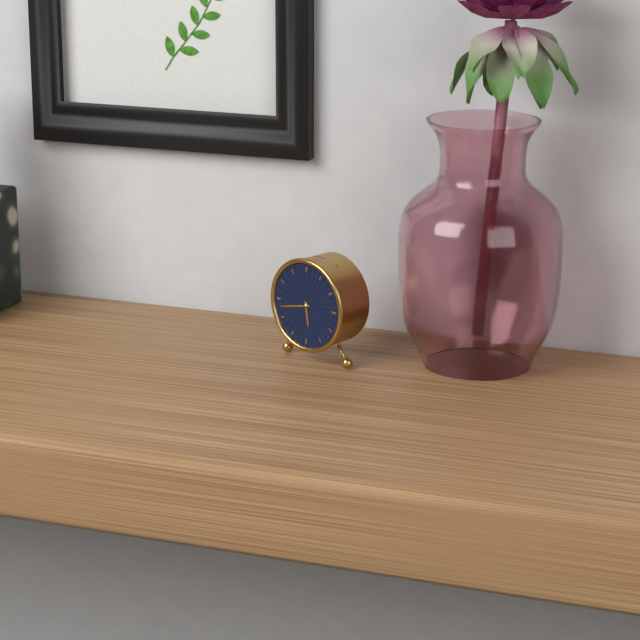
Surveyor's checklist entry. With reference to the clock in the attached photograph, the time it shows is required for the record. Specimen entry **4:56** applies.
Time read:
**5:43**
